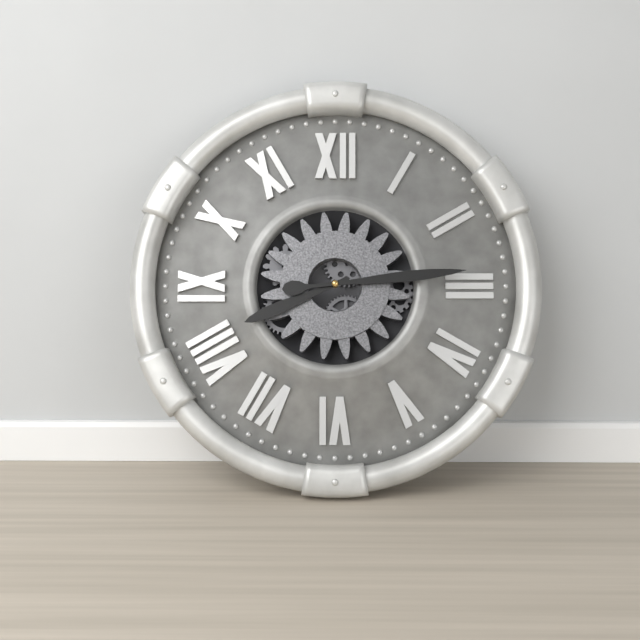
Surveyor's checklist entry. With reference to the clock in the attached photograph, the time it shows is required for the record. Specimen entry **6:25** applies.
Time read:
**8:14**
